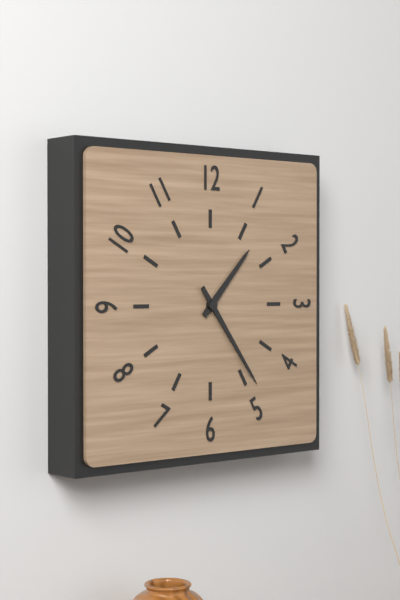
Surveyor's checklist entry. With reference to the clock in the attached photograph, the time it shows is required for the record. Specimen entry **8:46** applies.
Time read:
**1:24**
